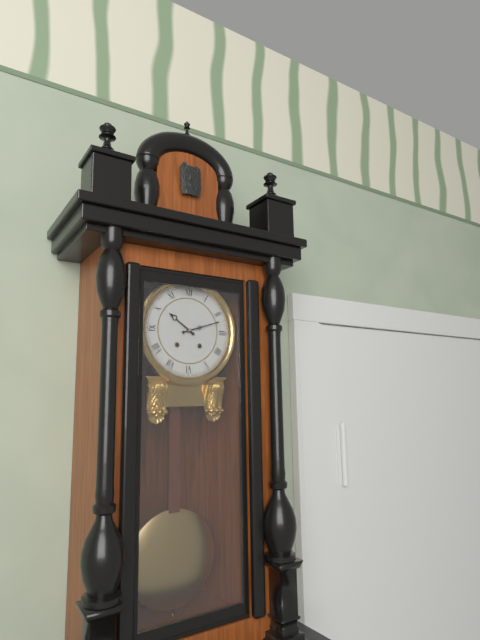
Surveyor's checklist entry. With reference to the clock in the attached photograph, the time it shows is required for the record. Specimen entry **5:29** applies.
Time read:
**10:12**
